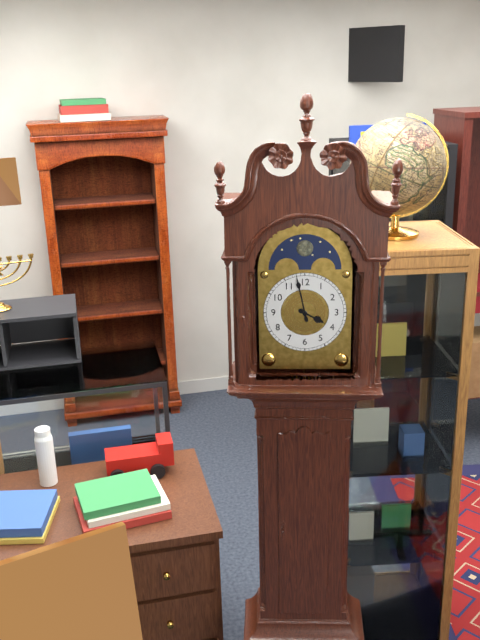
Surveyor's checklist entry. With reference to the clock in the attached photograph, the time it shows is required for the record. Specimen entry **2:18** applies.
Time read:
**3:58**
